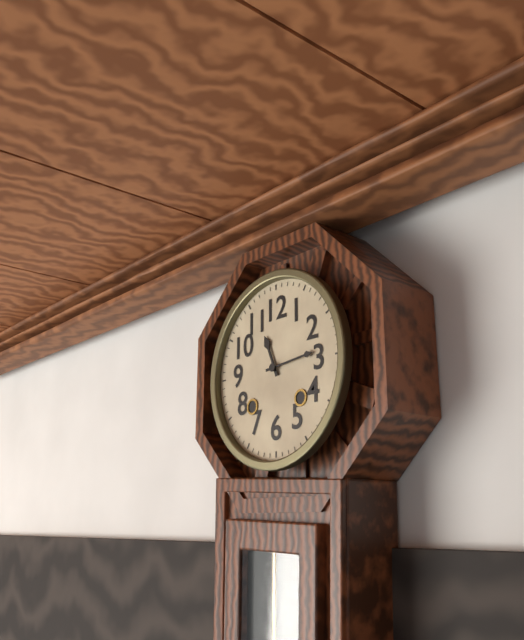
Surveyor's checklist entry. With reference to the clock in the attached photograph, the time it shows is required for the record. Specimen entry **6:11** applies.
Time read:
**11:14**
